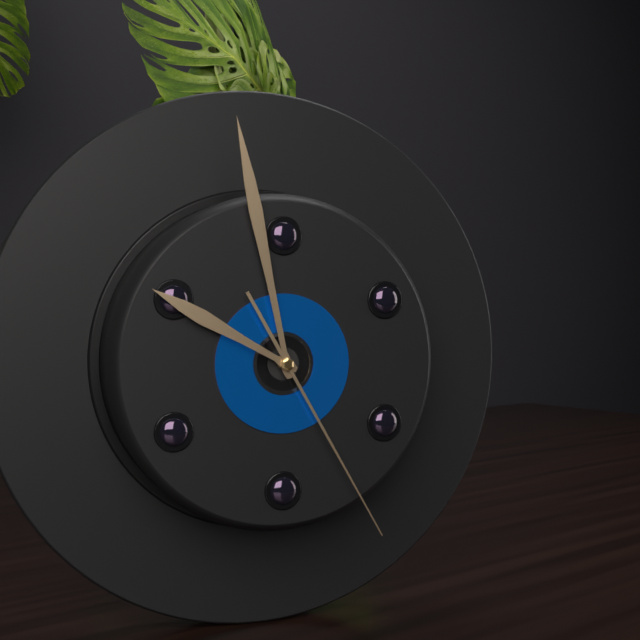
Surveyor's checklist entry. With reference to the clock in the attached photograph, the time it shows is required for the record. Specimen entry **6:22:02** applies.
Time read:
**9:58:25**
